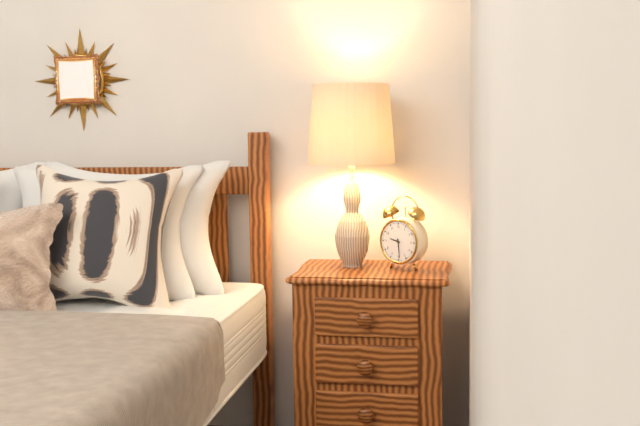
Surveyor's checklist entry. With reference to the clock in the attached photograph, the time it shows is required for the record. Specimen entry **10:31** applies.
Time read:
**9:29**
